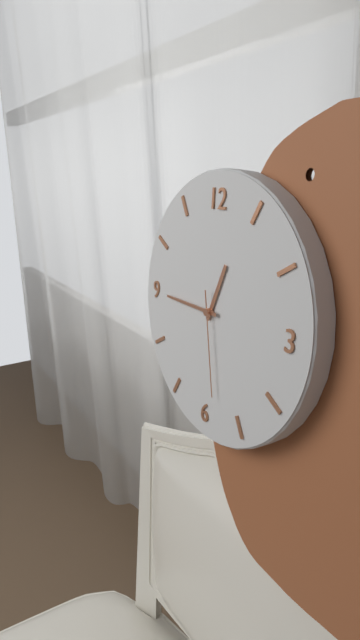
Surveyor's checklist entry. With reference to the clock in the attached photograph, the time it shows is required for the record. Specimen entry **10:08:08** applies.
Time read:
**12:45:28**
